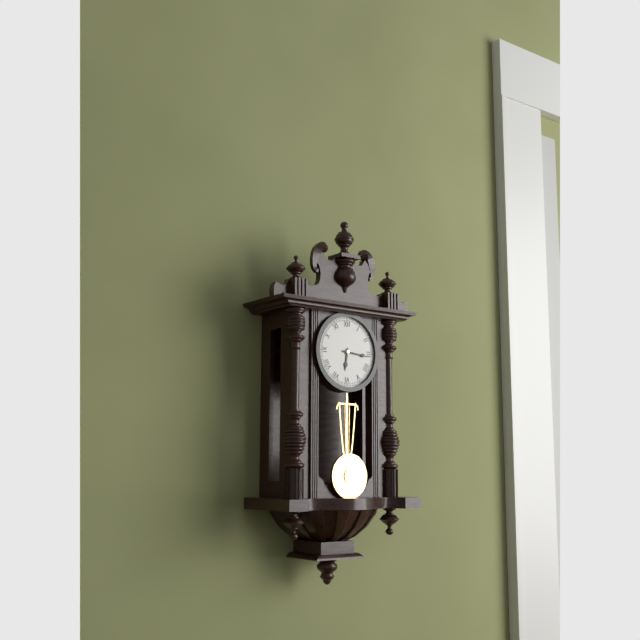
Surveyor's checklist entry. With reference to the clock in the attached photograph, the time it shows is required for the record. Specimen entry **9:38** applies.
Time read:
**6:16**
